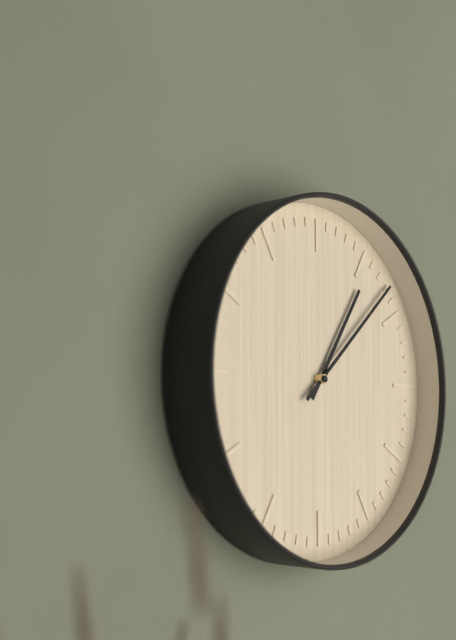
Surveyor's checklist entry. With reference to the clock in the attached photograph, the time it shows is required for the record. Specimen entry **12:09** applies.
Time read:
**1:08**
